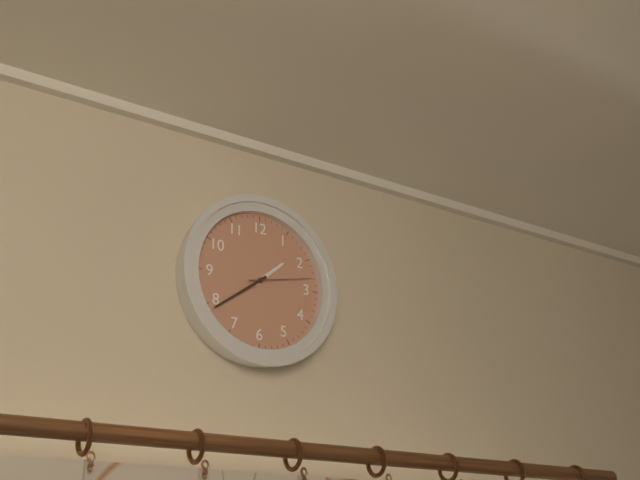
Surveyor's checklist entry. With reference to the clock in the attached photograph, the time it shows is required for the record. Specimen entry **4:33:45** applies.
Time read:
**1:39:13**
